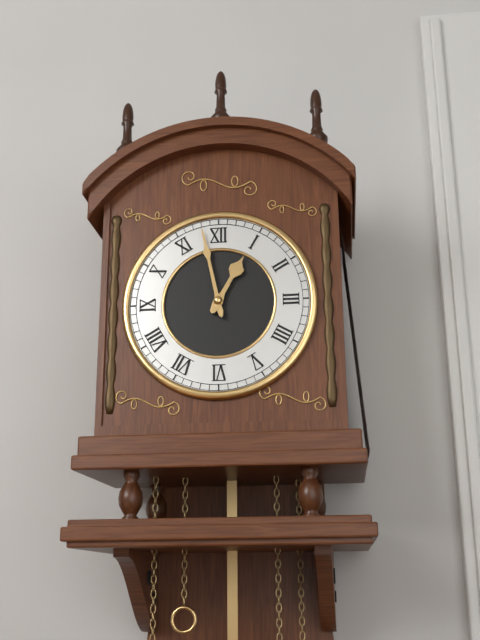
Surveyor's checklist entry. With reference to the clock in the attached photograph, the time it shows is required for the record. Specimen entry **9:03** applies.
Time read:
**12:58**
